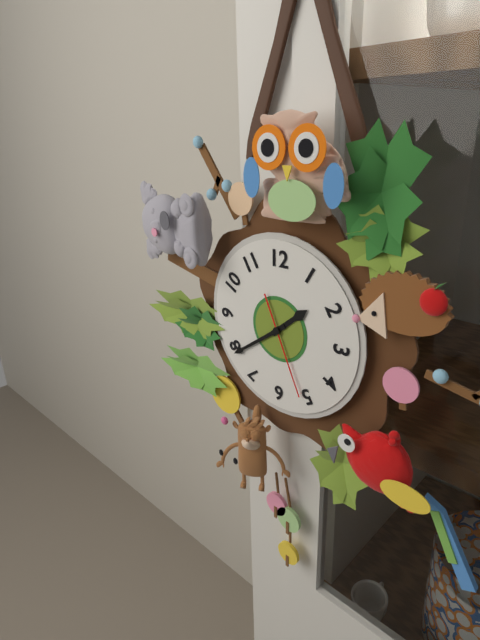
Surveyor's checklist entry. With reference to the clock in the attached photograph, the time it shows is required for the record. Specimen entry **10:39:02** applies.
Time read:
**1:39:26**
